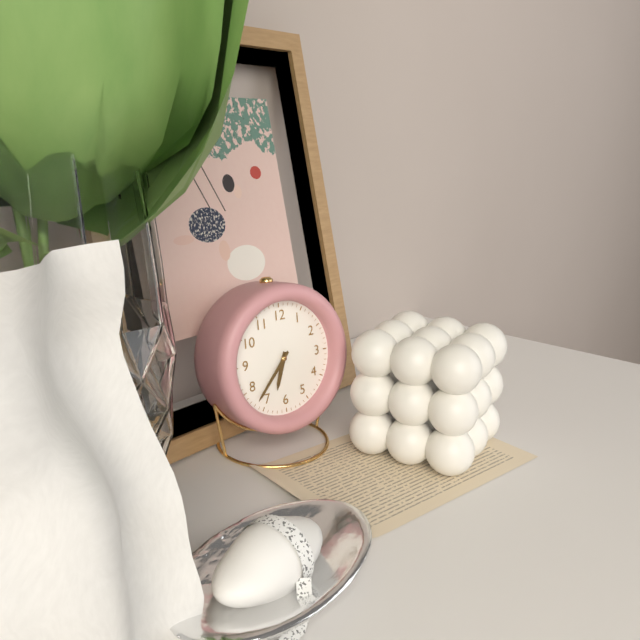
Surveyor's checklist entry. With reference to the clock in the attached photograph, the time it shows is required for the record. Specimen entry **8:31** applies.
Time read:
**6:37**
